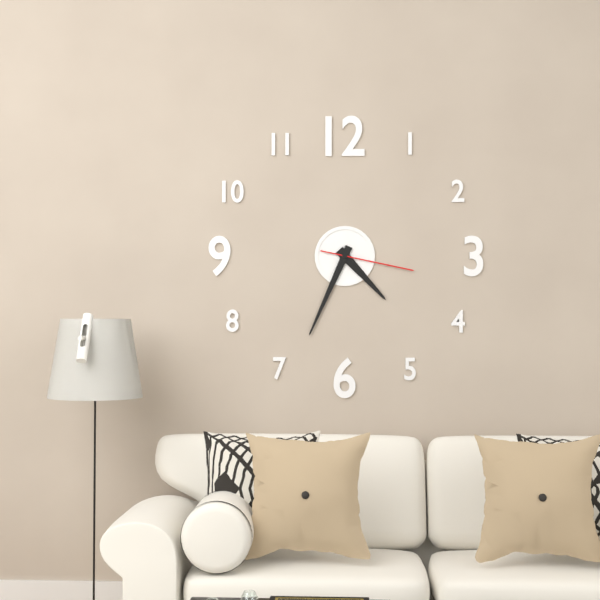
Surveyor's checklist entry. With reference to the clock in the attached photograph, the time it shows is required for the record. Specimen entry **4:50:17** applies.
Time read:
**4:34:17**
